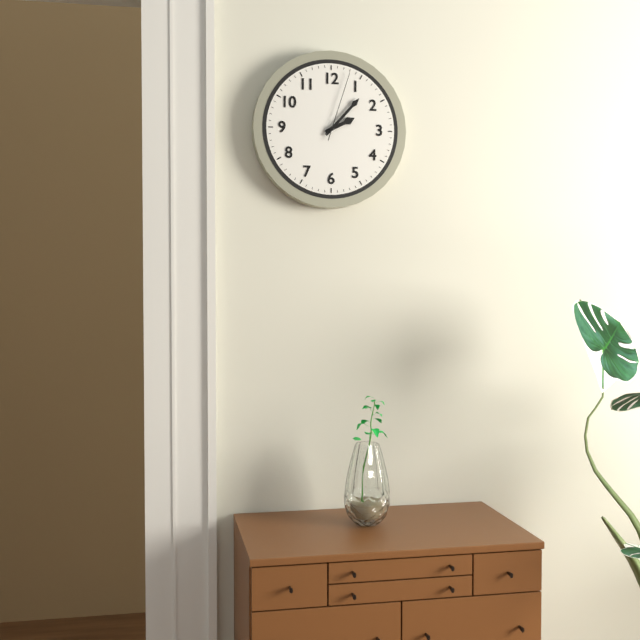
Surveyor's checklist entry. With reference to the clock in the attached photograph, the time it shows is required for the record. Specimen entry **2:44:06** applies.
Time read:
**2:07:03**
